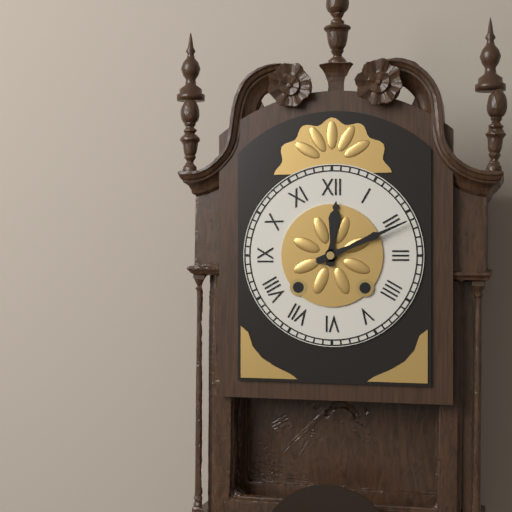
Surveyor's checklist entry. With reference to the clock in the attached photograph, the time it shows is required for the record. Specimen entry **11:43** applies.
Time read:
**12:11**
